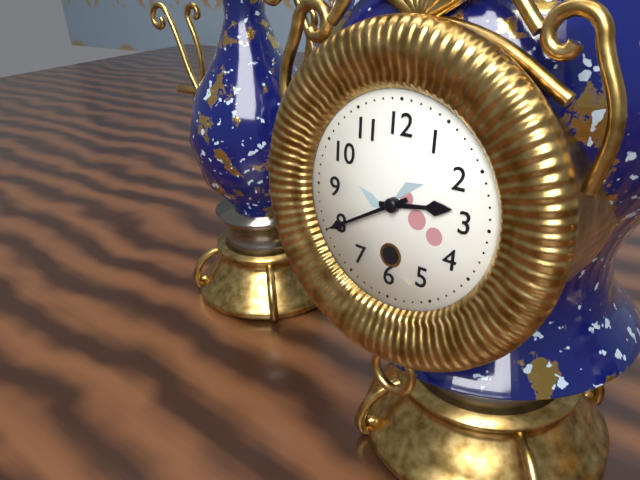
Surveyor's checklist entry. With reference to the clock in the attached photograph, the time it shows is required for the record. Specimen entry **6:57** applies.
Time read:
**2:40**
